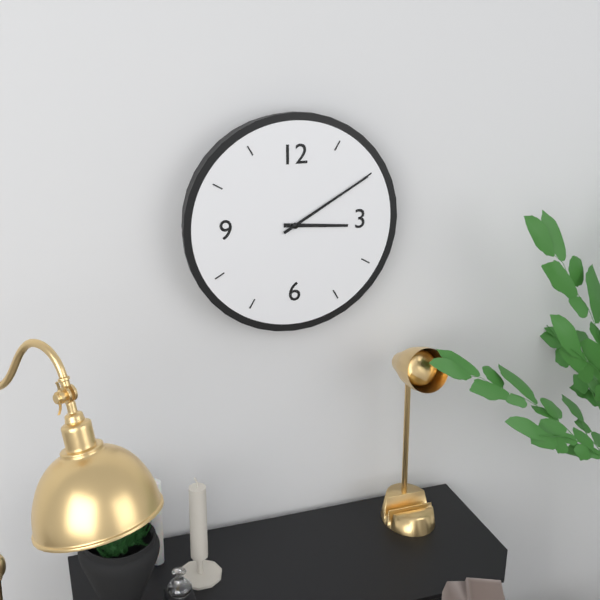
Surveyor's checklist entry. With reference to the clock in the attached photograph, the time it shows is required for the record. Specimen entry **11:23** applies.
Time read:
**3:10**
